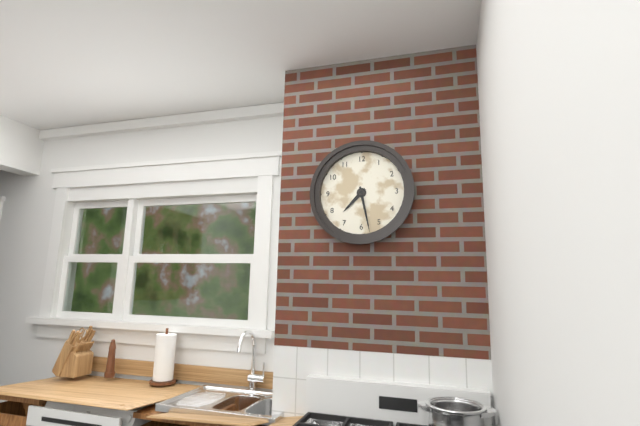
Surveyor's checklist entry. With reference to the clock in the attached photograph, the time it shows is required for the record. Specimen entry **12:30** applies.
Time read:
**7:28**
